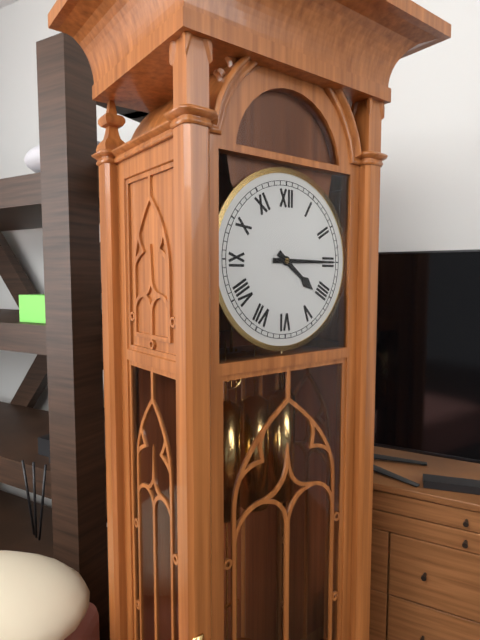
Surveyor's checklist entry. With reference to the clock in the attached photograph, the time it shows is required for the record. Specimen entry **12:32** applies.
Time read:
**4:15**
